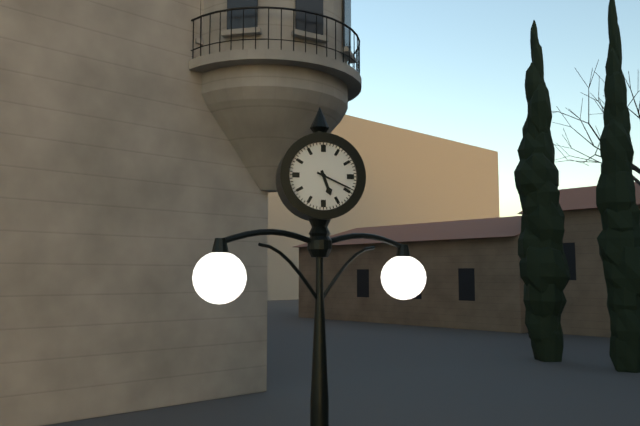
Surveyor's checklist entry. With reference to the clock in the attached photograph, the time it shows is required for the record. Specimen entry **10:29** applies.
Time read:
**5:19**
